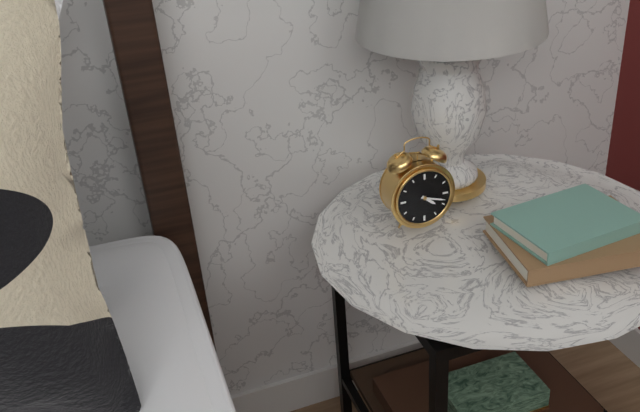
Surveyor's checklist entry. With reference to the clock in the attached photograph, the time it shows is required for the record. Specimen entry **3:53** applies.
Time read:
**4:18**
